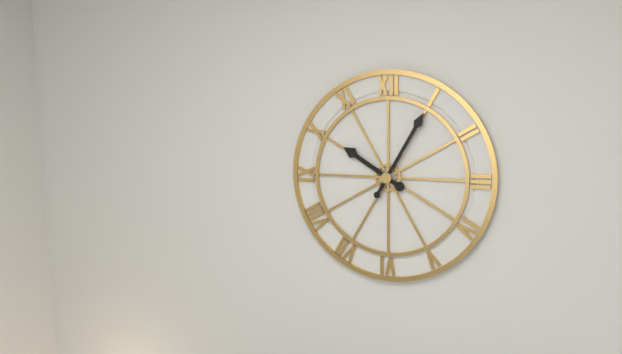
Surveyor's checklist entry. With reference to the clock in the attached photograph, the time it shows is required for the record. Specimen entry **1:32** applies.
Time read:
**10:05**
